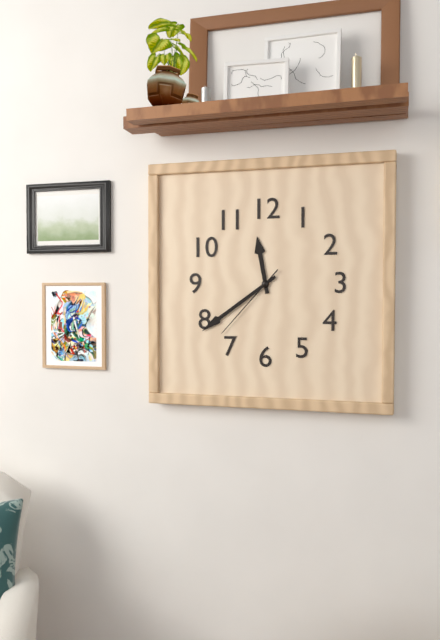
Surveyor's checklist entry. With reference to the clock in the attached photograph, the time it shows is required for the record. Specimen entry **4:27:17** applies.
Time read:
**11:39:37**
